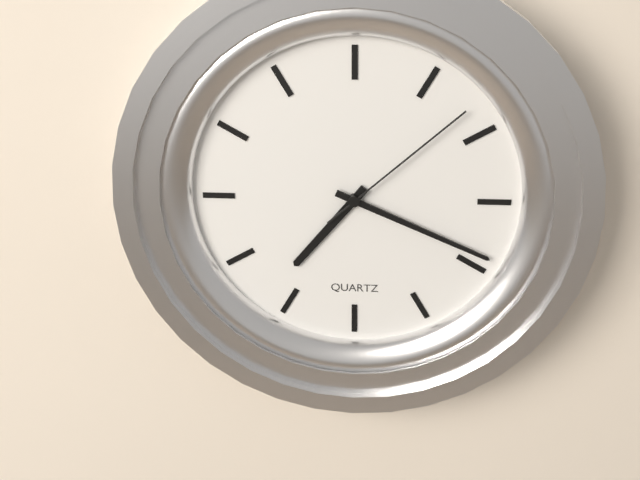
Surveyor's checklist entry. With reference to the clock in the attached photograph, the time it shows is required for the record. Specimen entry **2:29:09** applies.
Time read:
**7:19:08**
